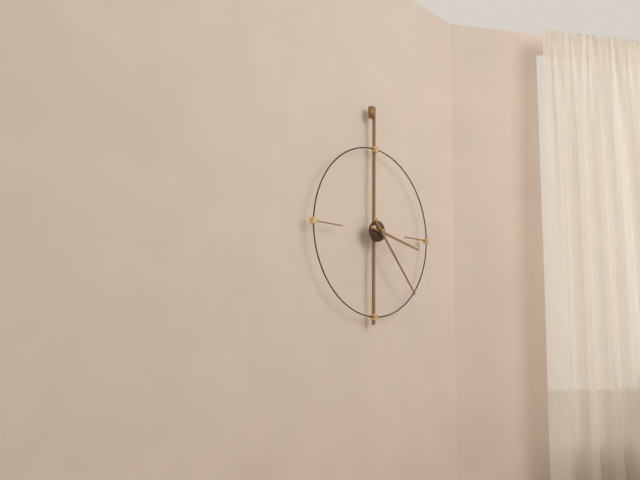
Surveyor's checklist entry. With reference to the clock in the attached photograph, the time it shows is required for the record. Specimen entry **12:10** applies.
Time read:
**3:23**
